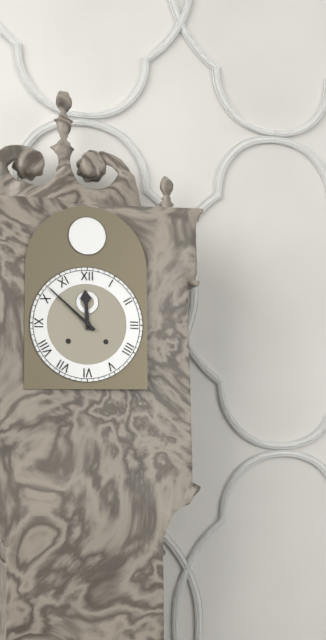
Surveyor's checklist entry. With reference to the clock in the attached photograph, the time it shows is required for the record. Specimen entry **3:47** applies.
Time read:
**11:52**
